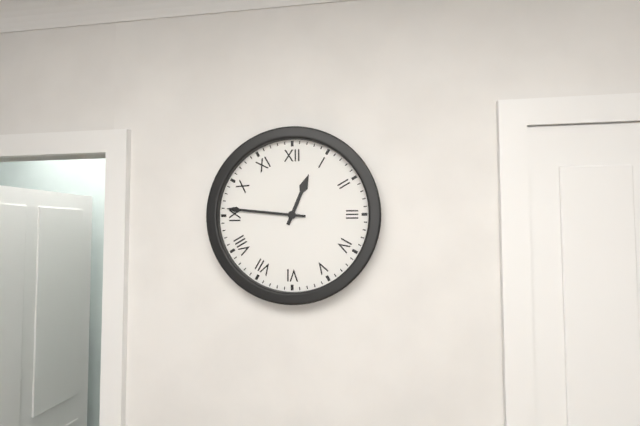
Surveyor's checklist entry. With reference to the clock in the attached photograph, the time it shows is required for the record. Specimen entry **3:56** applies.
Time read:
**12:46**
